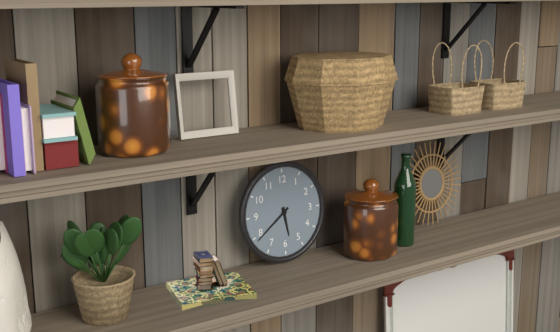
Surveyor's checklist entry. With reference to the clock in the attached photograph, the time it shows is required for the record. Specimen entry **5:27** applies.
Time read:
**5:39**
